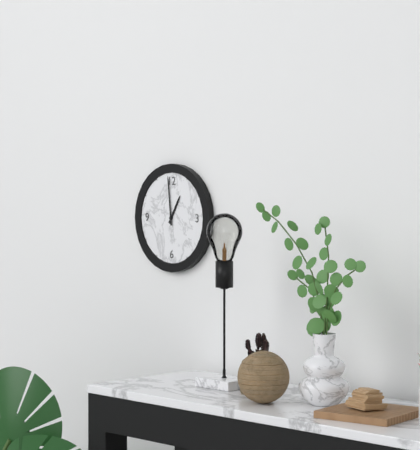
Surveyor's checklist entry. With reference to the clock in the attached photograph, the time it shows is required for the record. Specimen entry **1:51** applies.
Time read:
**12:59**
